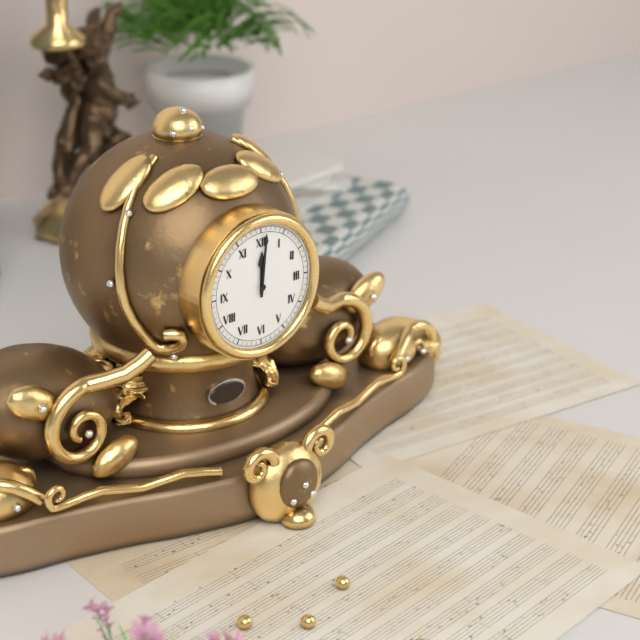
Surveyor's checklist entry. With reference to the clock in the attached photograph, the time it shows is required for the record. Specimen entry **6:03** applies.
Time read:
**12:01**
